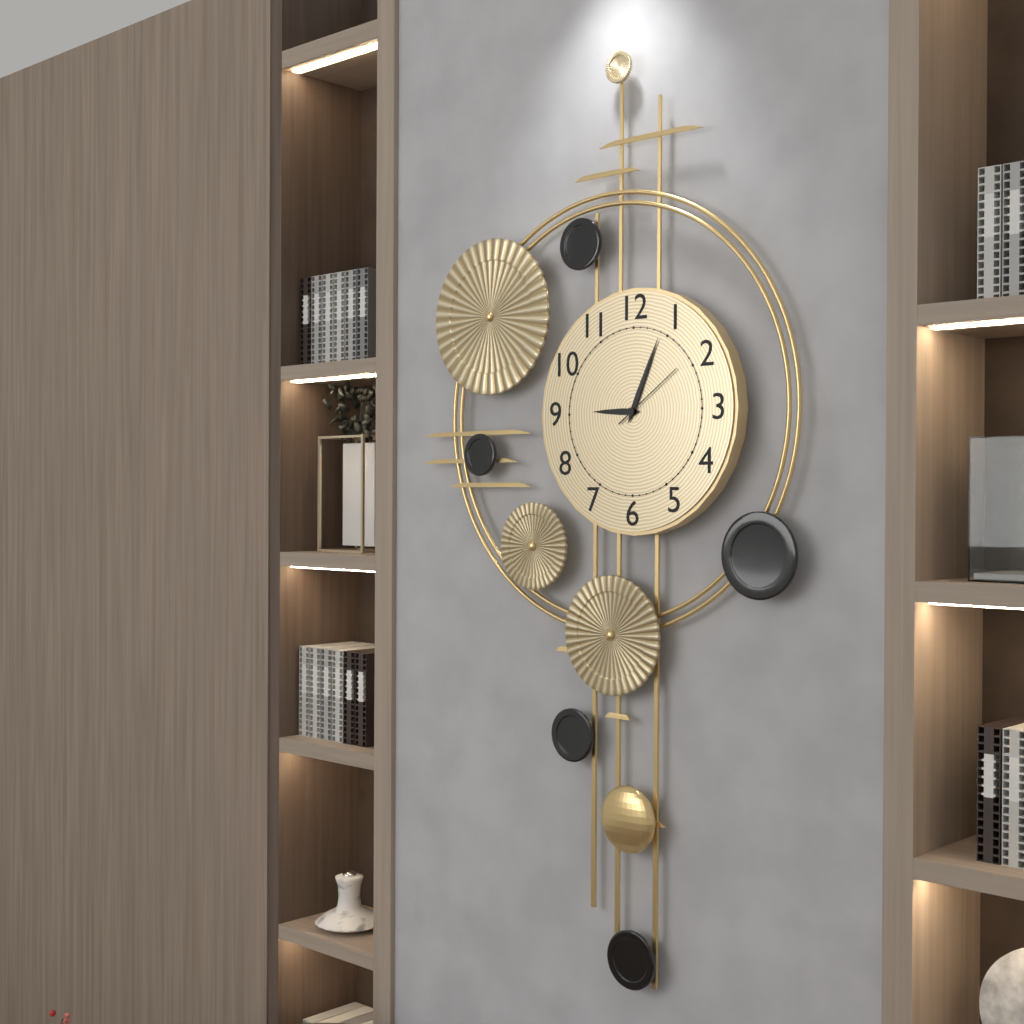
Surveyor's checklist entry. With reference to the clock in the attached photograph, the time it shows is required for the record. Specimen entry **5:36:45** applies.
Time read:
**9:04:09**
